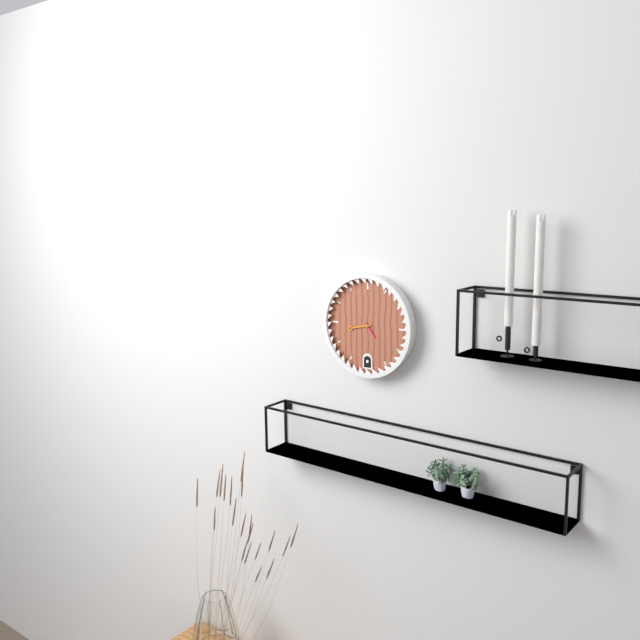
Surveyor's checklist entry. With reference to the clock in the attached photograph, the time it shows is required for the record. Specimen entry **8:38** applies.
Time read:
**4:43**
